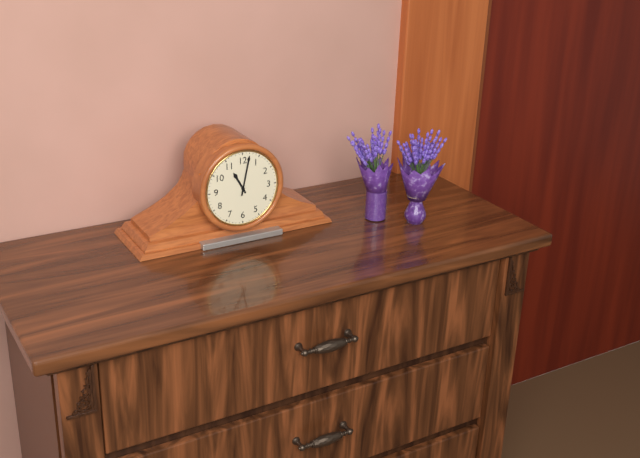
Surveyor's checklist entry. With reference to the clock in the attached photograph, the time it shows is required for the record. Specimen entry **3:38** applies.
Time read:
**11:02**
